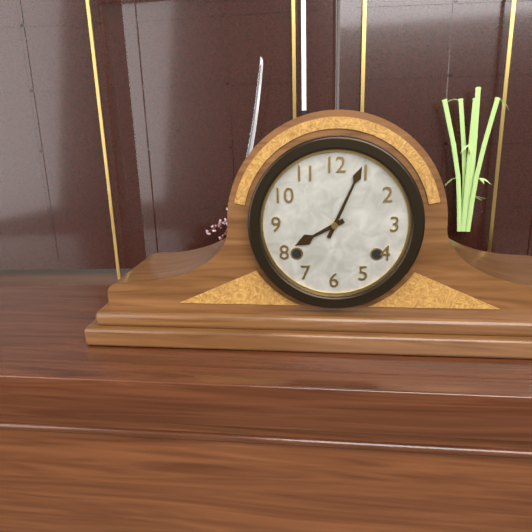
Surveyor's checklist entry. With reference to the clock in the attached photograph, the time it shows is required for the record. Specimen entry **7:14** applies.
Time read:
**8:04**
